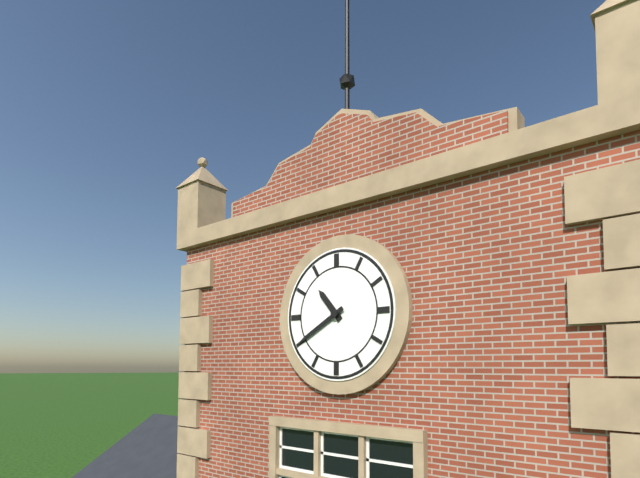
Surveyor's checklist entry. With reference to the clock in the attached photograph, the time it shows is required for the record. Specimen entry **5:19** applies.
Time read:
**10:40**
